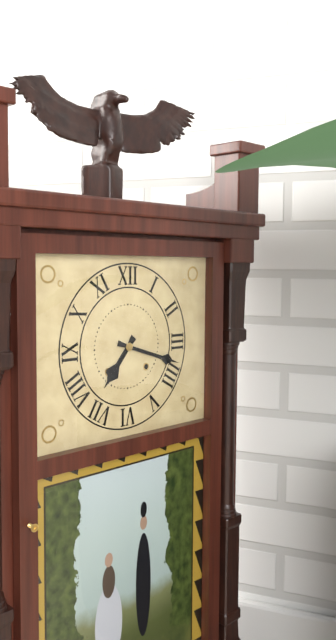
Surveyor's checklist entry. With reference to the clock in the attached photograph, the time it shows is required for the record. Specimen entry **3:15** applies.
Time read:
**7:18**
